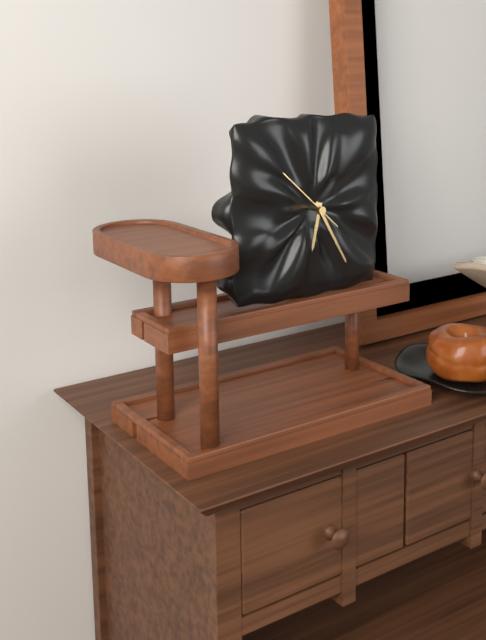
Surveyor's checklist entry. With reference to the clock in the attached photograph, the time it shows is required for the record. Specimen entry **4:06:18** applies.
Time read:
**6:25:52**
